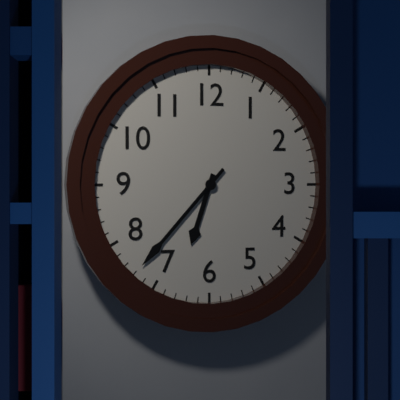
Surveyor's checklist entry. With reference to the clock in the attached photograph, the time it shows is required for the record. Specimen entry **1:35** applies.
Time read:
**6:37**
